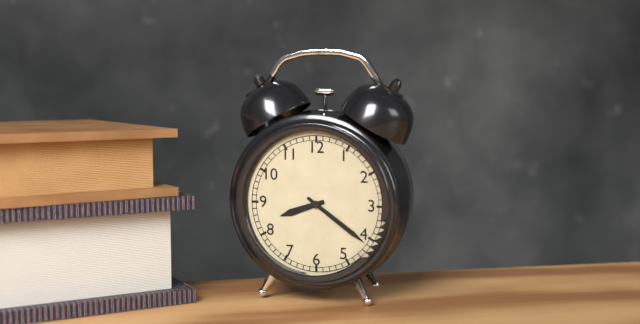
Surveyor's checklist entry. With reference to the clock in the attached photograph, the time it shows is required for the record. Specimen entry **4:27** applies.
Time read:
**8:21**
